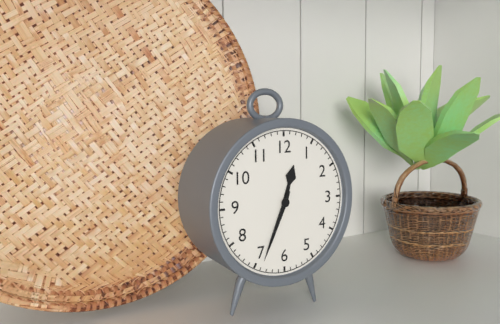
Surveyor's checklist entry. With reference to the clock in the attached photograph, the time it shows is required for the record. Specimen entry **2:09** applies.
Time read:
**12:34**
